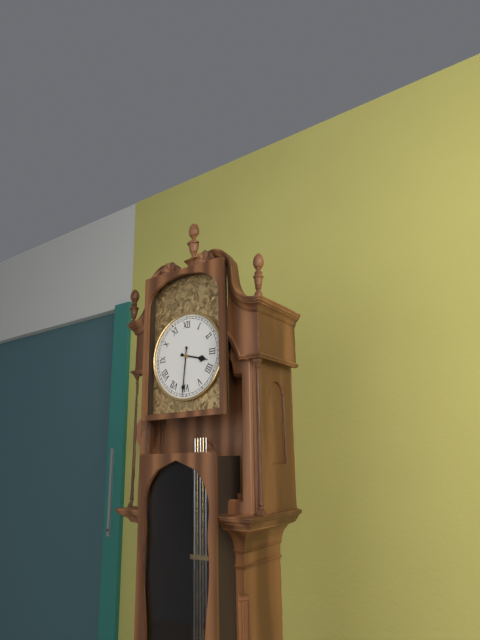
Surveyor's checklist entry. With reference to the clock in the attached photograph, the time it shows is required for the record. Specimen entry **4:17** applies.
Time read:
**3:31**
